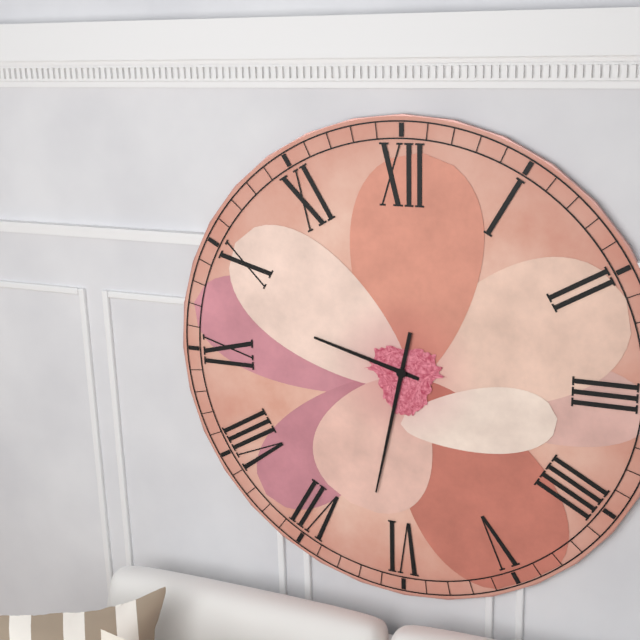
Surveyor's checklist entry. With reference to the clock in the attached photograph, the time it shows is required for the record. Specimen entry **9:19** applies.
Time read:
**9:32**
